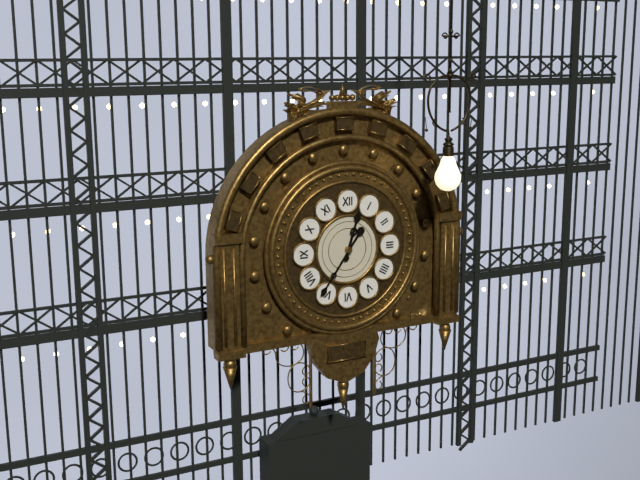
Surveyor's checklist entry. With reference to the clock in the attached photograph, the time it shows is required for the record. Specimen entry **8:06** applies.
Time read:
**12:36**
